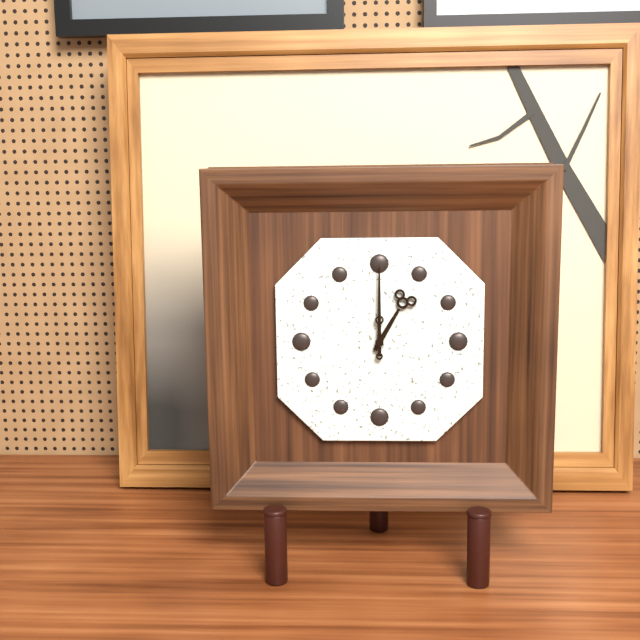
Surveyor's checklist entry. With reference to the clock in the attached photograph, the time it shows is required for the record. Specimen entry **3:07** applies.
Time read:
**1:00**
